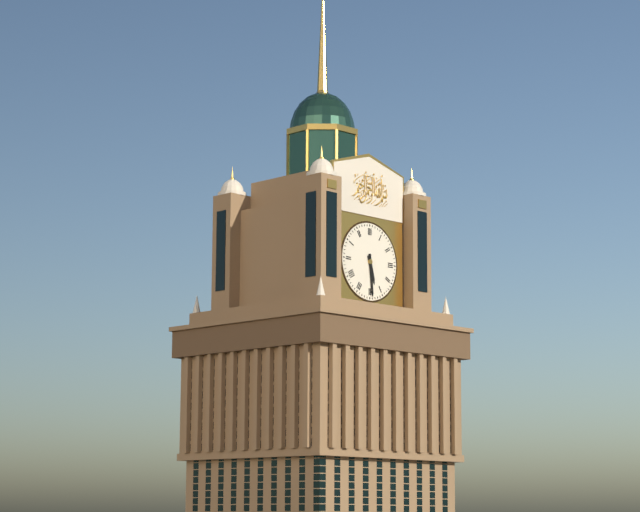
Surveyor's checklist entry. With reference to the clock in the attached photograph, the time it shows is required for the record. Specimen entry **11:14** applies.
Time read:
**5:29**
